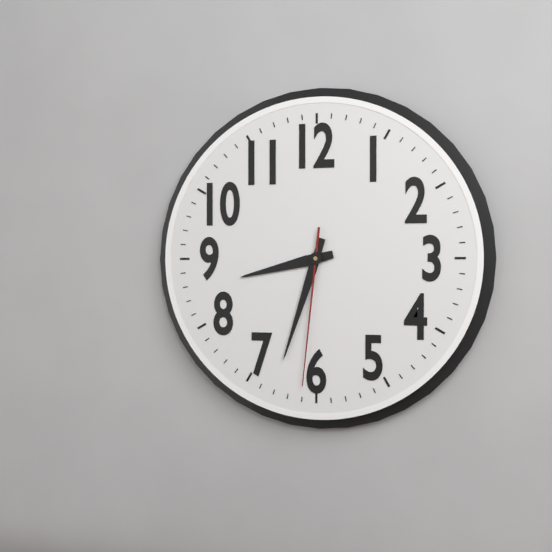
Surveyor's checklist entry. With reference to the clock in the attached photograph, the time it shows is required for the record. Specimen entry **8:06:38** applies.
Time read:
**8:33:31**
